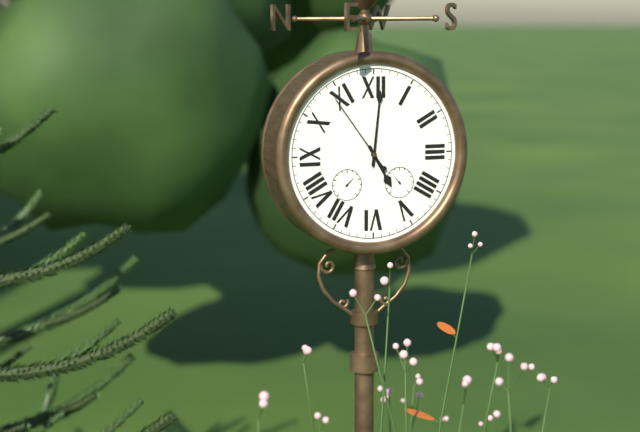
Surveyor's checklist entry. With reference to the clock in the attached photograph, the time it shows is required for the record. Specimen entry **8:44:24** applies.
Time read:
**5:01:54**
